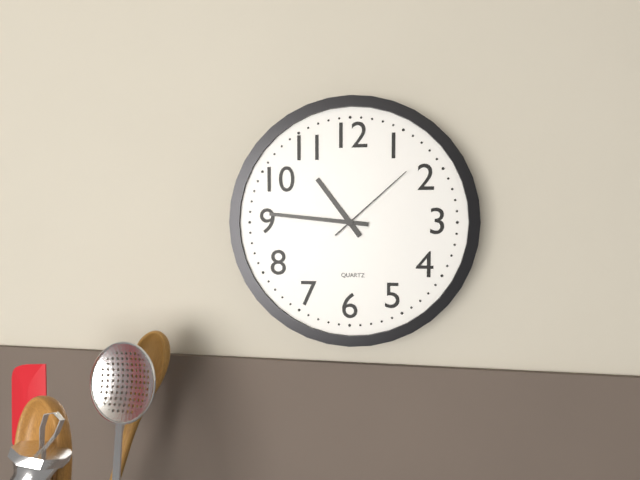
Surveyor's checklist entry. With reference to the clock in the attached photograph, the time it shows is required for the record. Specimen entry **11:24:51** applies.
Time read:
**10:46:08**
